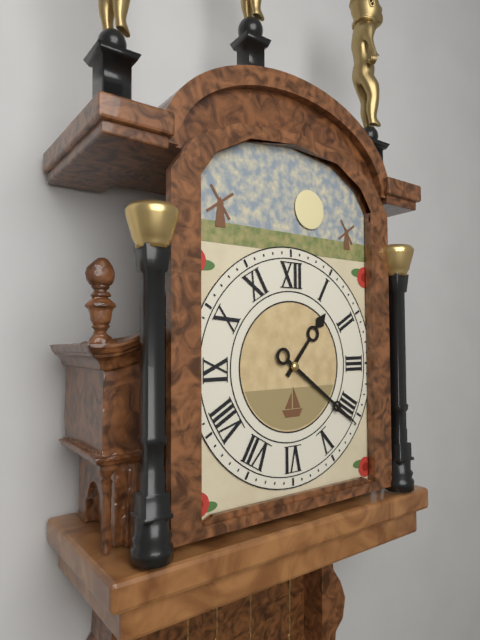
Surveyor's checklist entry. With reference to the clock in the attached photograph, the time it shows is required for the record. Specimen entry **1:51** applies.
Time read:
**1:21**
